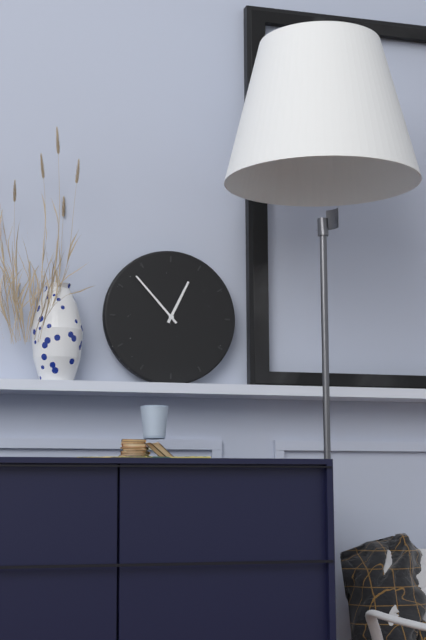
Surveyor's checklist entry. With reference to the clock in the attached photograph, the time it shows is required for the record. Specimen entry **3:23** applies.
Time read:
**12:53**
